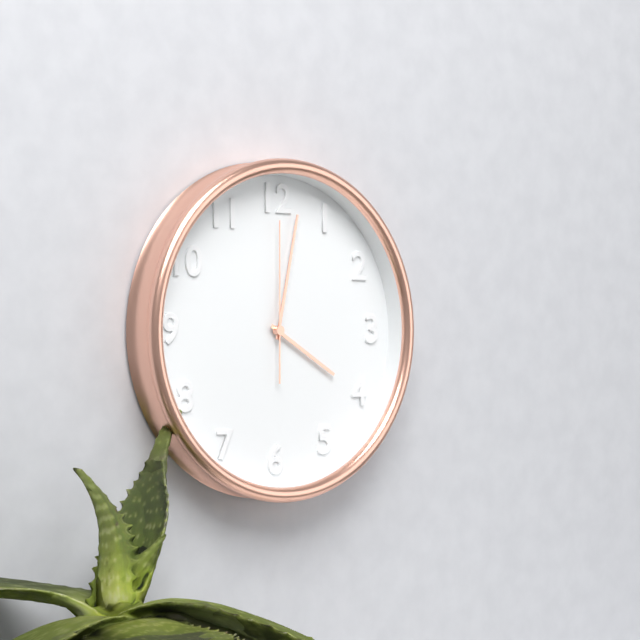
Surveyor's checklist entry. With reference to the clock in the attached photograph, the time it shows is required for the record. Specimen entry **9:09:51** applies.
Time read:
**4:02:00**
